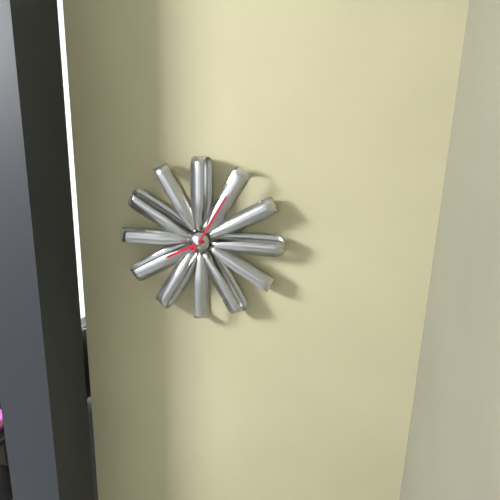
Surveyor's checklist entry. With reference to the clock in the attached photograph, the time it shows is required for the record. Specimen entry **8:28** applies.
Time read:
**8:05**
